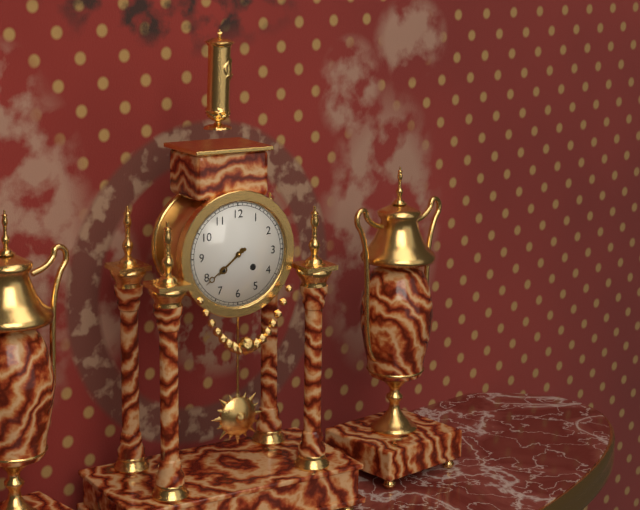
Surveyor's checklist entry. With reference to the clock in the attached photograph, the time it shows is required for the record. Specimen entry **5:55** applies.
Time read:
**7:39**
